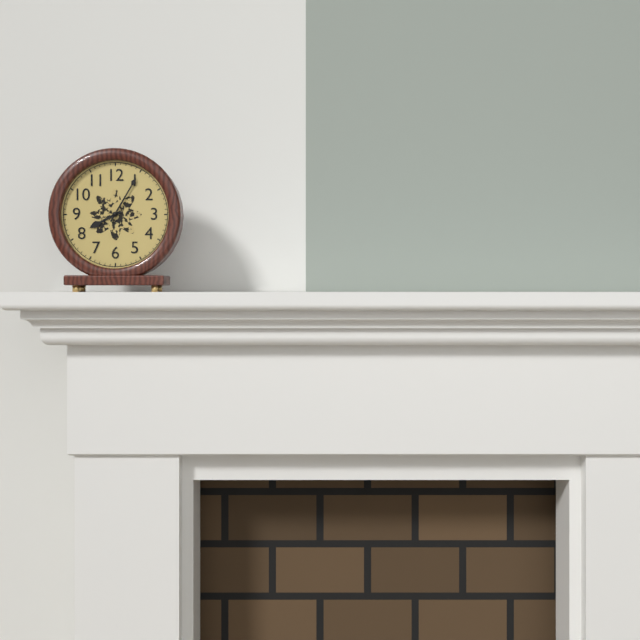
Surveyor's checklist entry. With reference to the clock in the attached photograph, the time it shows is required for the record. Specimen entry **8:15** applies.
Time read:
**8:05**
